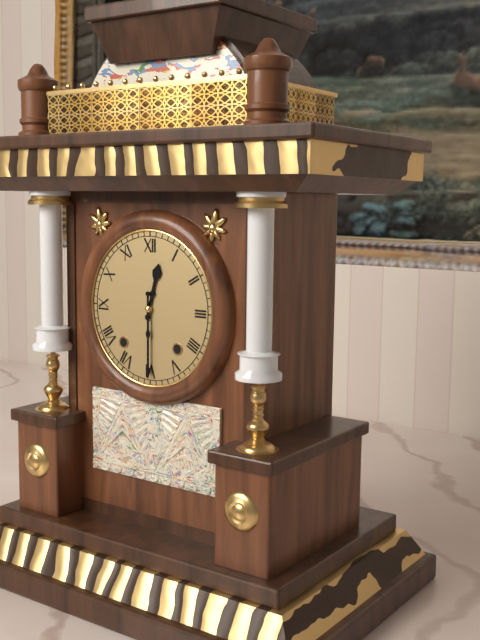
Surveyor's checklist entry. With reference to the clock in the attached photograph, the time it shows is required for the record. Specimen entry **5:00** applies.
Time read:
**12:30**
